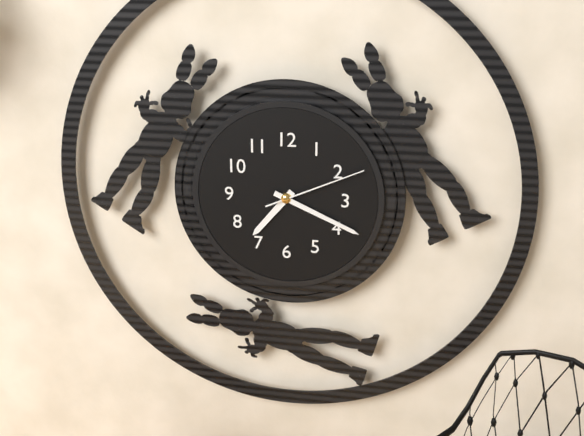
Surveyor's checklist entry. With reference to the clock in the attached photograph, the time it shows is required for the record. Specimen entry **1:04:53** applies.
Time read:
**7:19:11**
